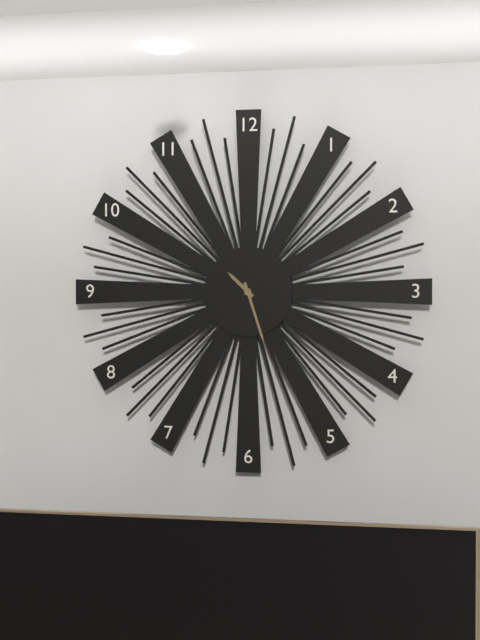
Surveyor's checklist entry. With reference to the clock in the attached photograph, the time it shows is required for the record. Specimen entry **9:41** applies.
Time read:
**10:27**
